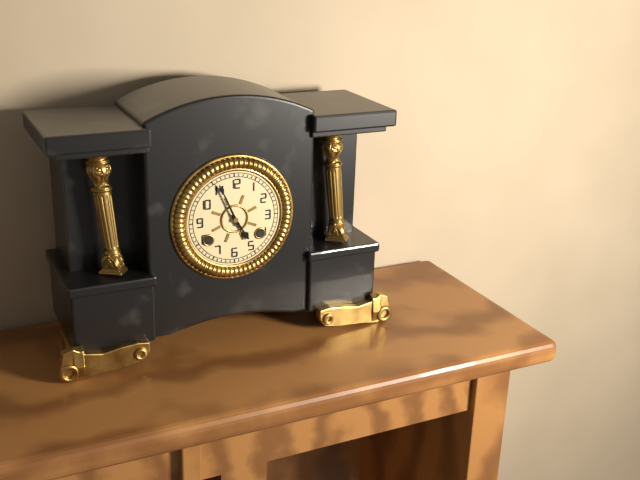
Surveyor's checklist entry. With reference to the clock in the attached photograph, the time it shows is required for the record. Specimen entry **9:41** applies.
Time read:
**4:56**
